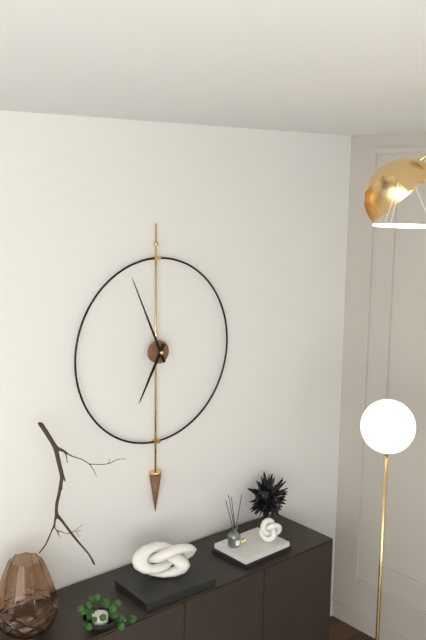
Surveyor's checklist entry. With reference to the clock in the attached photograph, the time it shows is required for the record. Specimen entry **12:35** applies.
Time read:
**6:56**
